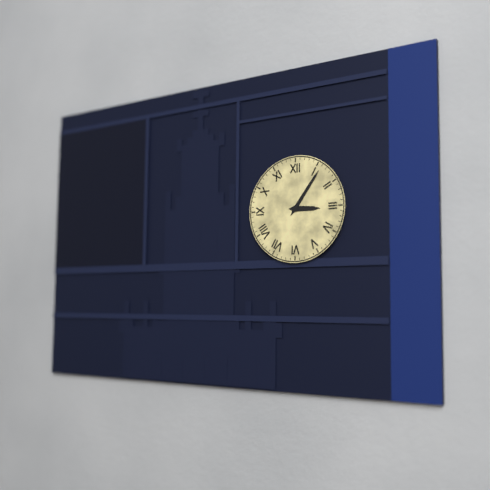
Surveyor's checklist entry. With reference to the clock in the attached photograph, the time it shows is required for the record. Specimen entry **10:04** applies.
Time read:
**3:06**
